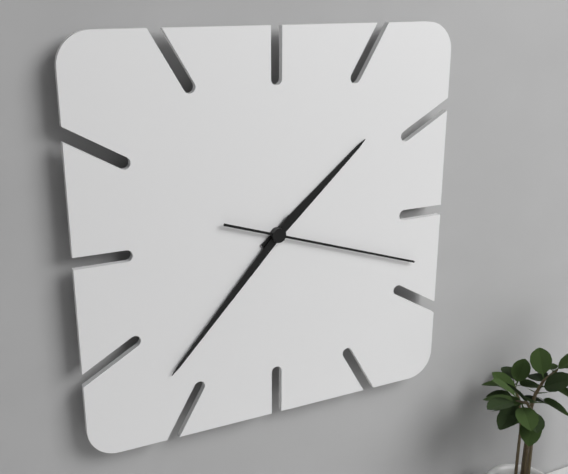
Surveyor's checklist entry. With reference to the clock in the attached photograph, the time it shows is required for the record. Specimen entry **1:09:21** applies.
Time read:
**1:37:18**
